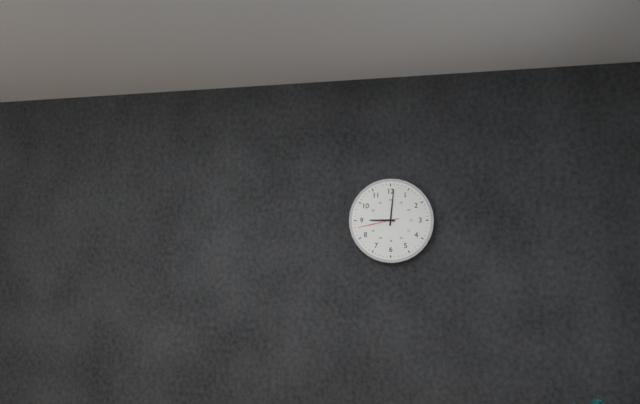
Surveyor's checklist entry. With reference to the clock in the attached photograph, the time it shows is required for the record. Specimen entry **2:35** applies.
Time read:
**9:01**
